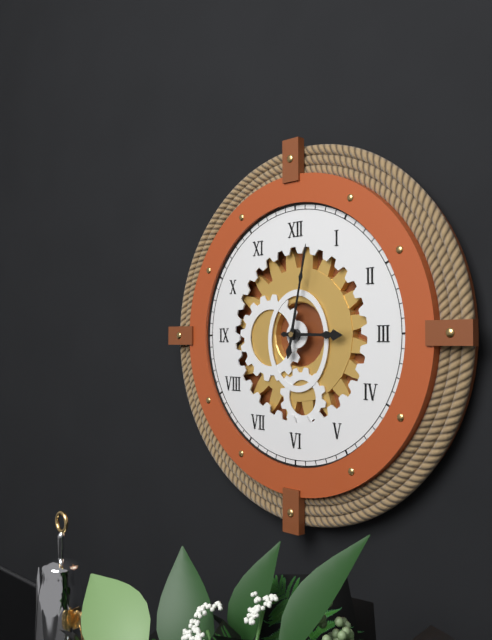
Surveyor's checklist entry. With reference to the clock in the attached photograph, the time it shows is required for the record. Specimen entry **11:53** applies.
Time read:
**3:02**
